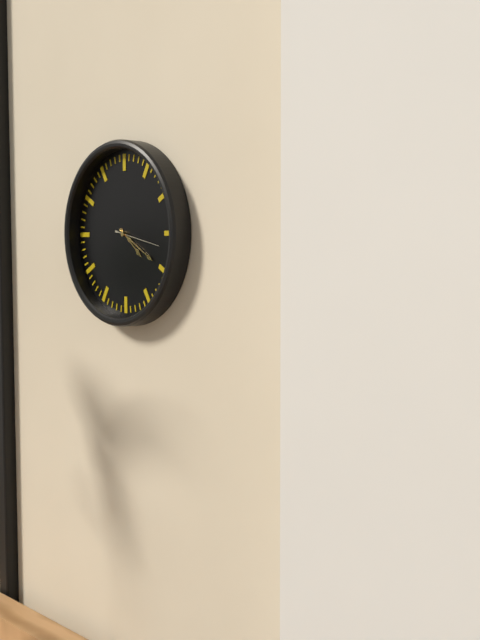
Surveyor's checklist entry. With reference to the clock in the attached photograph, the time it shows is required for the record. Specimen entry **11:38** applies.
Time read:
**4:20**
